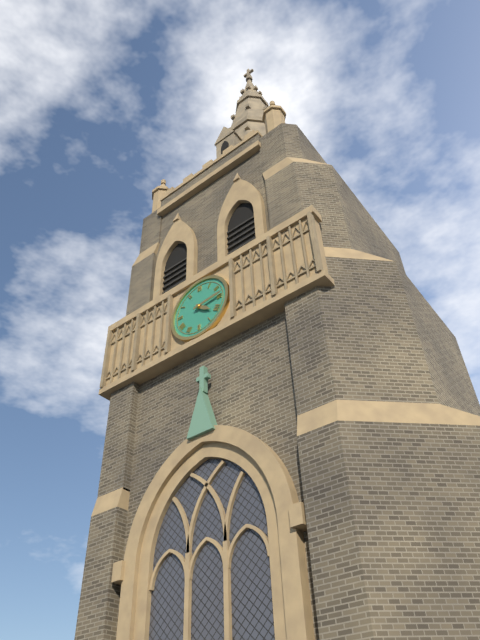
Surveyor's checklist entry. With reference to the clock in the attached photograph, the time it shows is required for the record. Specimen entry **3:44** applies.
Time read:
**4:14**
